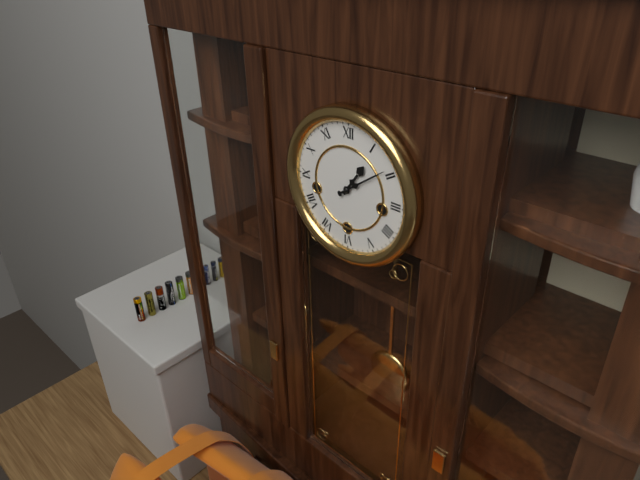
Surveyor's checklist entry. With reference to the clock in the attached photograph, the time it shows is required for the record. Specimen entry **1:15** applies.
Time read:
**1:09**
